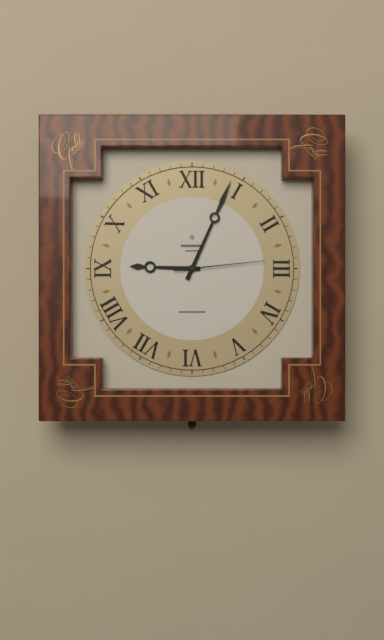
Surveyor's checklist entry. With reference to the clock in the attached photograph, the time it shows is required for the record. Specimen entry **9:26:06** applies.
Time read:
**9:04:14**
